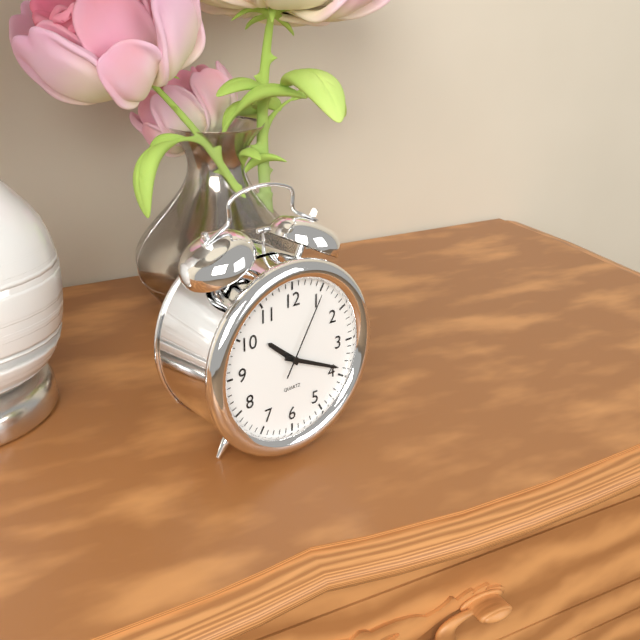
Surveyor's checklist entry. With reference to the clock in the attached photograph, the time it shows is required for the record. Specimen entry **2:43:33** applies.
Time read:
**10:19:05**
